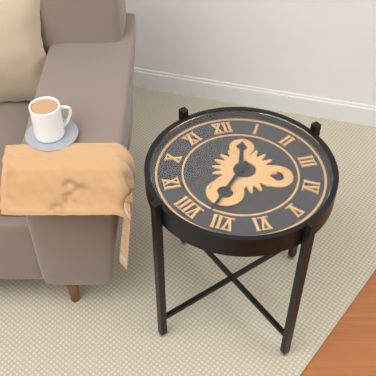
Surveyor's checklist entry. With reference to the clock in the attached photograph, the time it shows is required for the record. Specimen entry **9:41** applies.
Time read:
**12:37**
